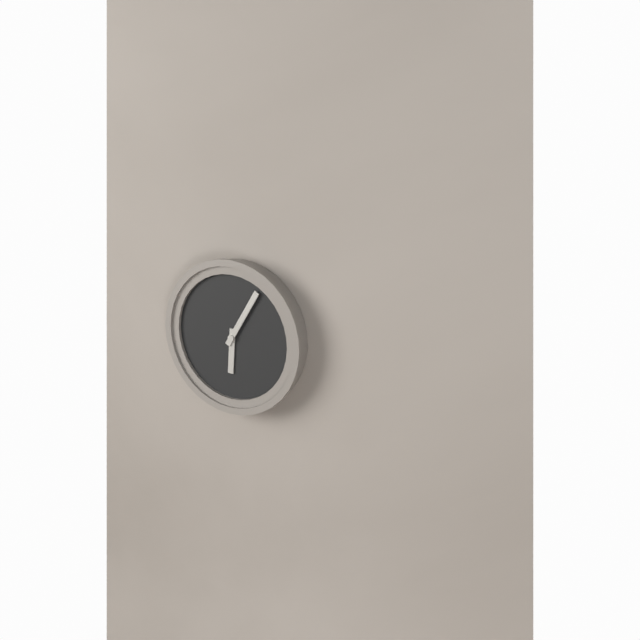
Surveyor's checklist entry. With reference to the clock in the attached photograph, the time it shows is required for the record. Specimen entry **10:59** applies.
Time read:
**6:05**
